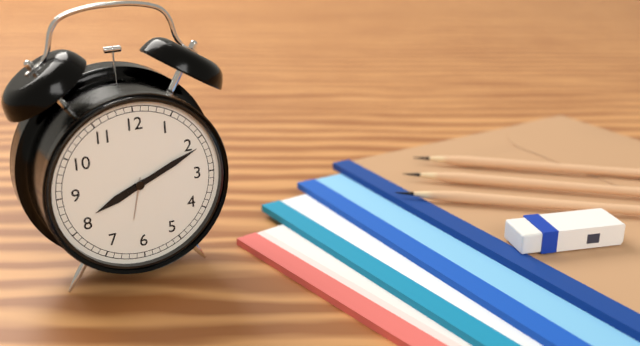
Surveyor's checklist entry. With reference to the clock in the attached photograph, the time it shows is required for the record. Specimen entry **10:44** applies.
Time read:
**8:11**
